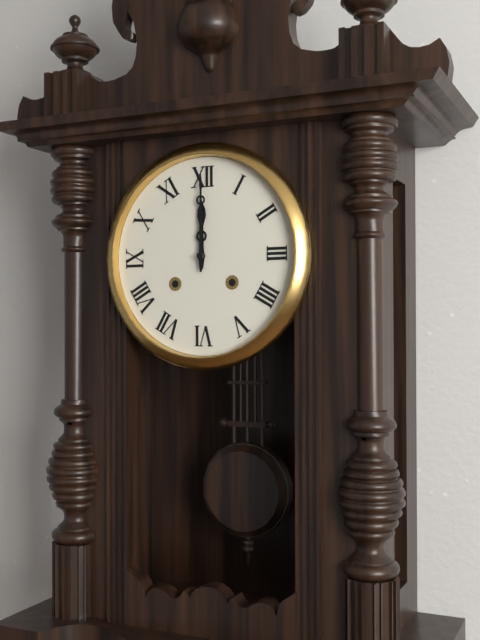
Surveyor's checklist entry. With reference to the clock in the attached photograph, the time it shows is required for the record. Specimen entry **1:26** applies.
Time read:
**12:00**
